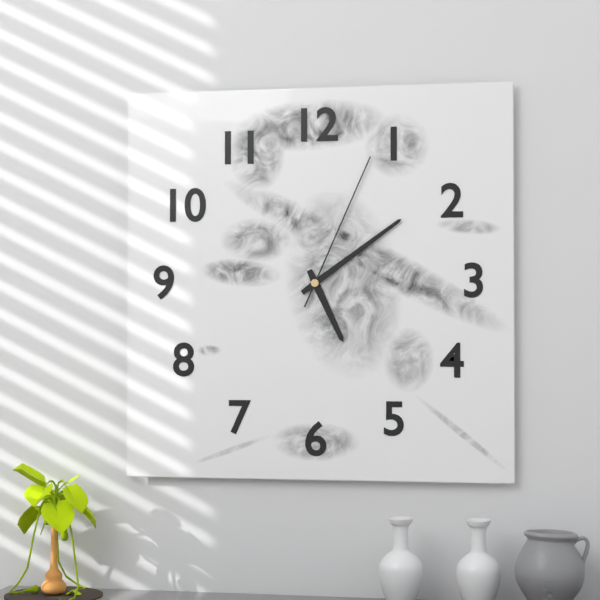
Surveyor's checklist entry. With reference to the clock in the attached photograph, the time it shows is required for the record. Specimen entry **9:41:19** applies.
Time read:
**5:09:04**
